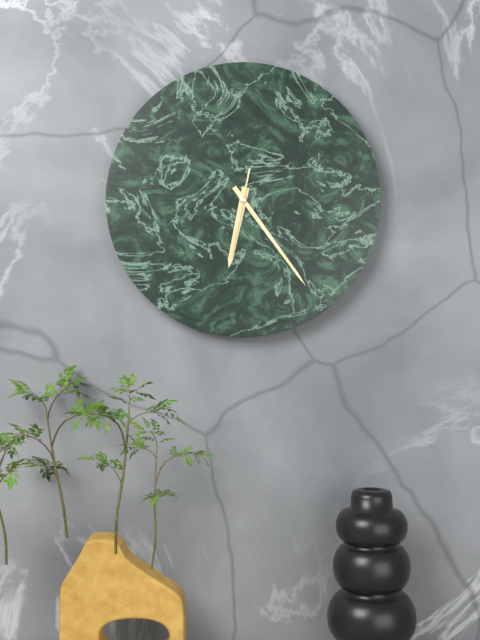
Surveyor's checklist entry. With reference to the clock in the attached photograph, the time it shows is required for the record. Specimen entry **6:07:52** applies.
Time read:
**6:24:32**
